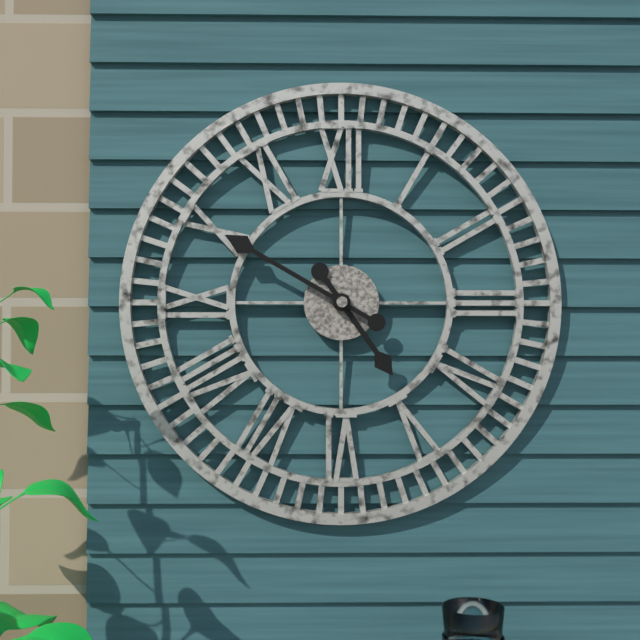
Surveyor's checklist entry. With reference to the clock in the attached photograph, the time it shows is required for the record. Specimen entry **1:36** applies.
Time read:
**4:50**
